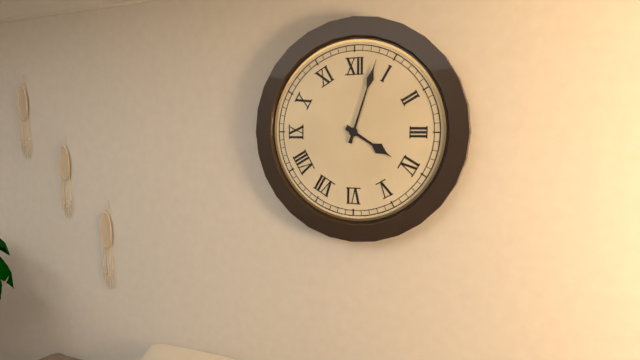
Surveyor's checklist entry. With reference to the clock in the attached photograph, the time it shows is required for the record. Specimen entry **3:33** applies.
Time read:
**4:03**
